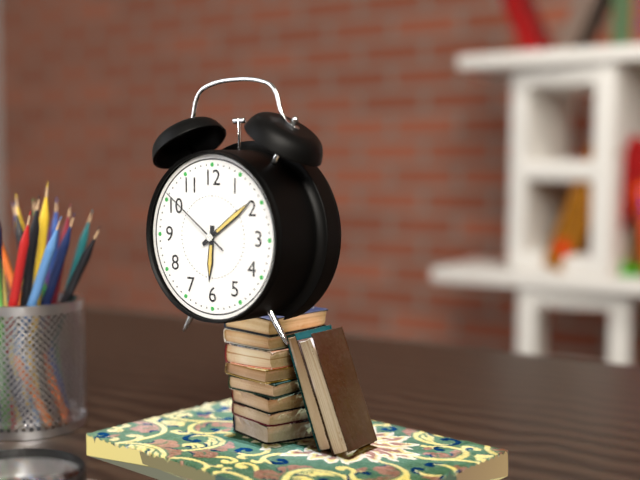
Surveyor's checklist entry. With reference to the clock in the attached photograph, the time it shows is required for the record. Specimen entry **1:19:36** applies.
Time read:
**6:09:51**
